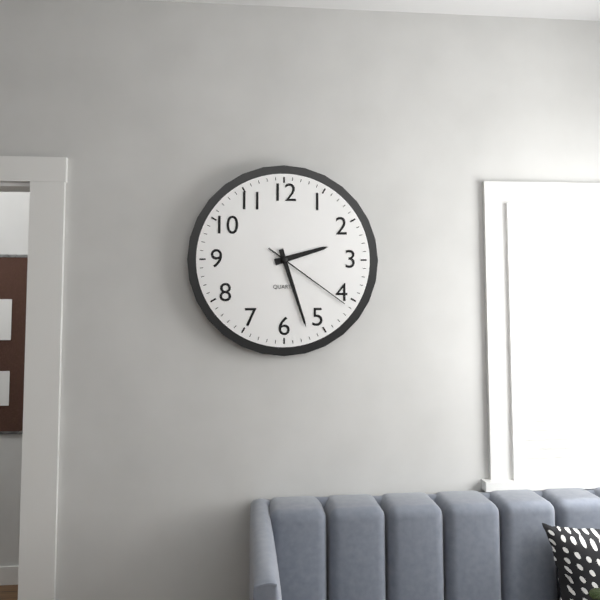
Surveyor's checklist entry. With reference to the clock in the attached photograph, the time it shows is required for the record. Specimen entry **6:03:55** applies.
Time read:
**2:27:21**
